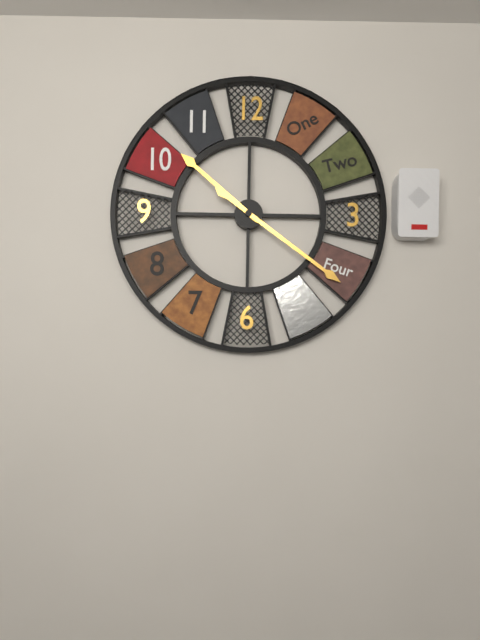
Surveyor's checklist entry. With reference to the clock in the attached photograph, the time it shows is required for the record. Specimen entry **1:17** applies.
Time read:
**10:21**
